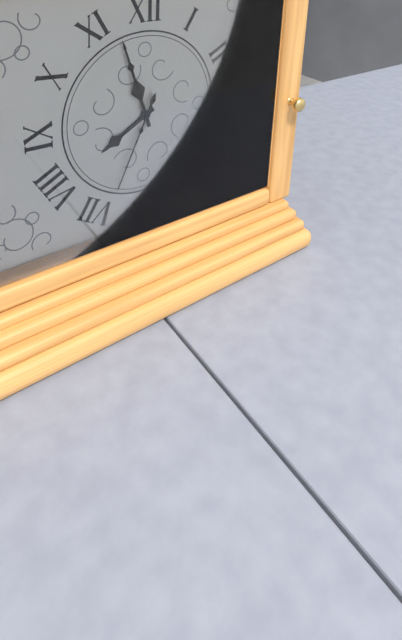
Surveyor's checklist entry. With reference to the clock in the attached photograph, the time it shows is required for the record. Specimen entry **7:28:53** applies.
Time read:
**7:57:34**
